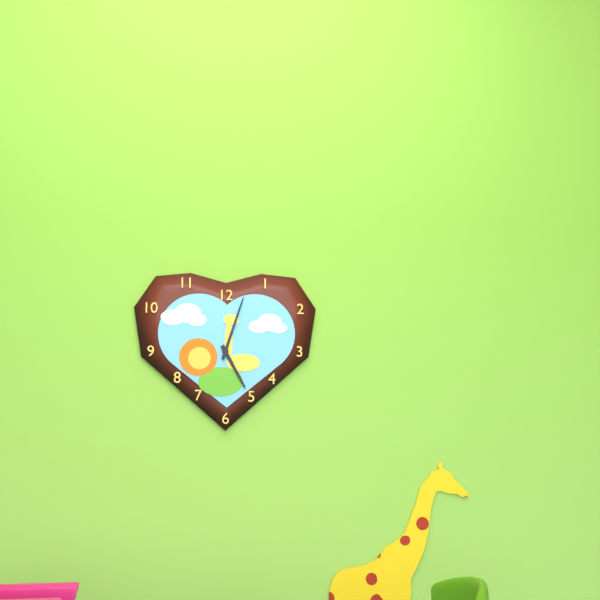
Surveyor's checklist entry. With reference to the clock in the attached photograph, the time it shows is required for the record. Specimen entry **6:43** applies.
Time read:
**5:03**
